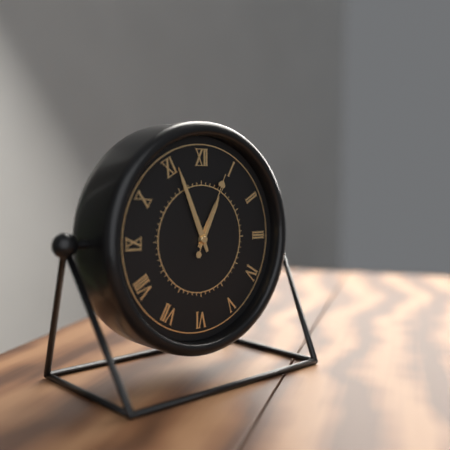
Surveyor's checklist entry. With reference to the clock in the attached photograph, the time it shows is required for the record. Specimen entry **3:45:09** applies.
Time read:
**12:56:04**
